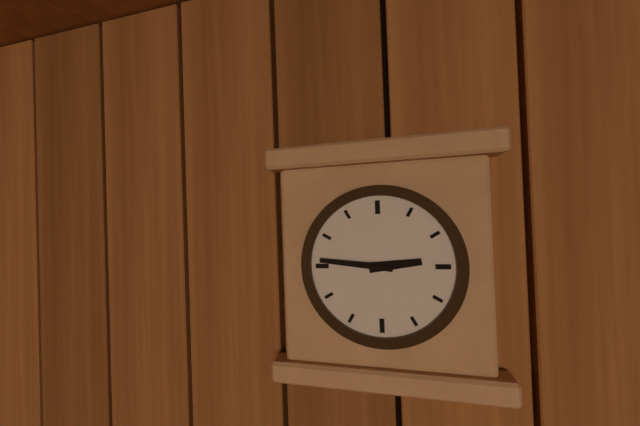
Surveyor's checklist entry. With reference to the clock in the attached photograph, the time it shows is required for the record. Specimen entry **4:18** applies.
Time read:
**2:46**
